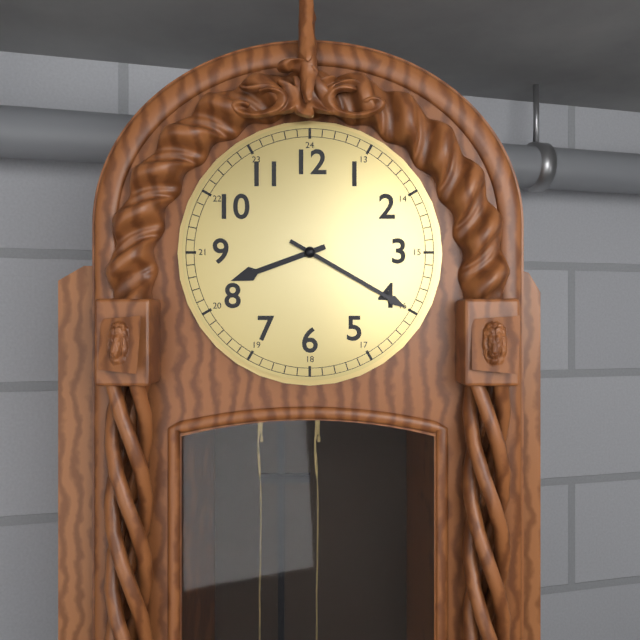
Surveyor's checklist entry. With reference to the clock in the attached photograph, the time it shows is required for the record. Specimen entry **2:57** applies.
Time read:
**8:20**
